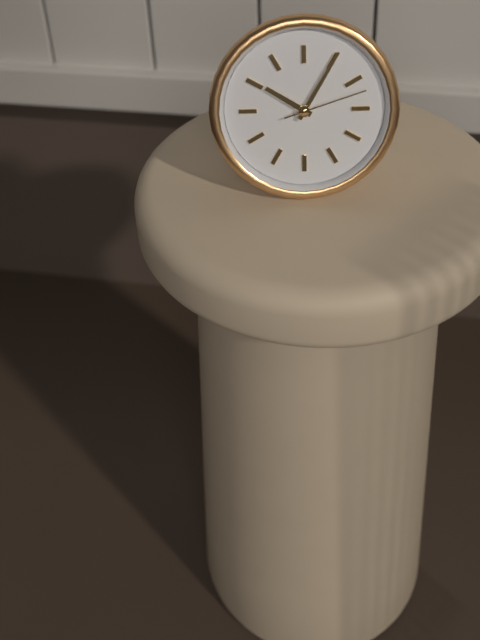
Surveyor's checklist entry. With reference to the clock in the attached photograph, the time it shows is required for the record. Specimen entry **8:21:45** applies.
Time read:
**10:05:12**
